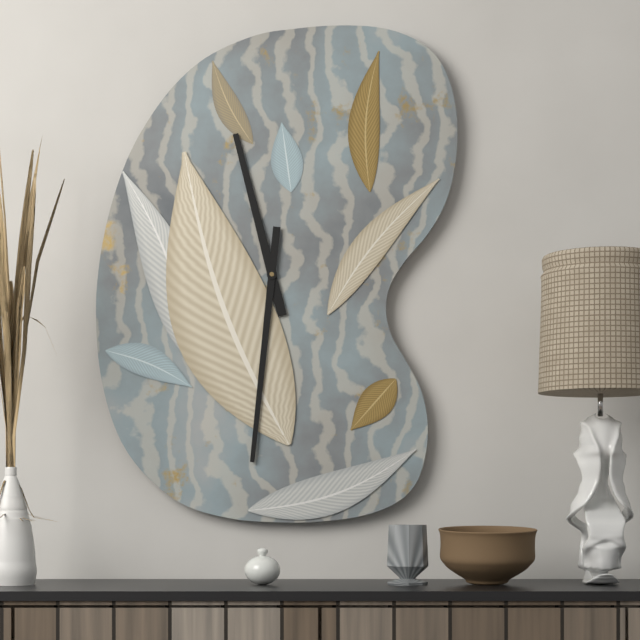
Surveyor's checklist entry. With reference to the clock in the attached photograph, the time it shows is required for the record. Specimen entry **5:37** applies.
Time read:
**11:31**
